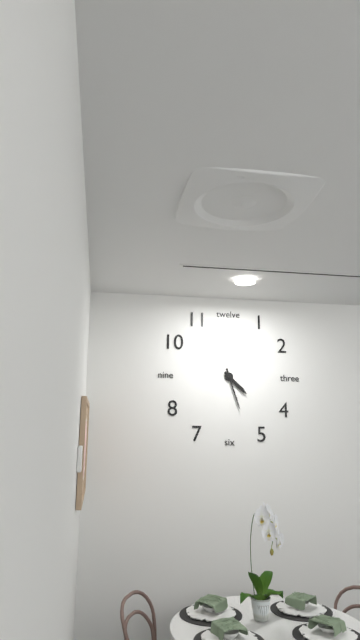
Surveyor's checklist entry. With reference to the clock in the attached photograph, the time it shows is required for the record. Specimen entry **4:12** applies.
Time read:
**4:27**
